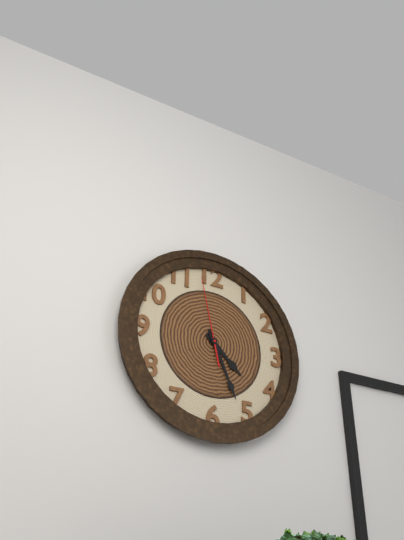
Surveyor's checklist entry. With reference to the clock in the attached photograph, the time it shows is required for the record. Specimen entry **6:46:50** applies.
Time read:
**4:26:58**
